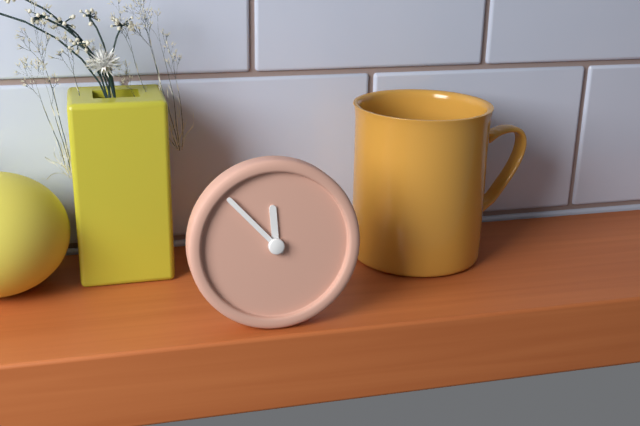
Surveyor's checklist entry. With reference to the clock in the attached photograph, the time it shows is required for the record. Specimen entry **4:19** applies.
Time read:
**11:53**
